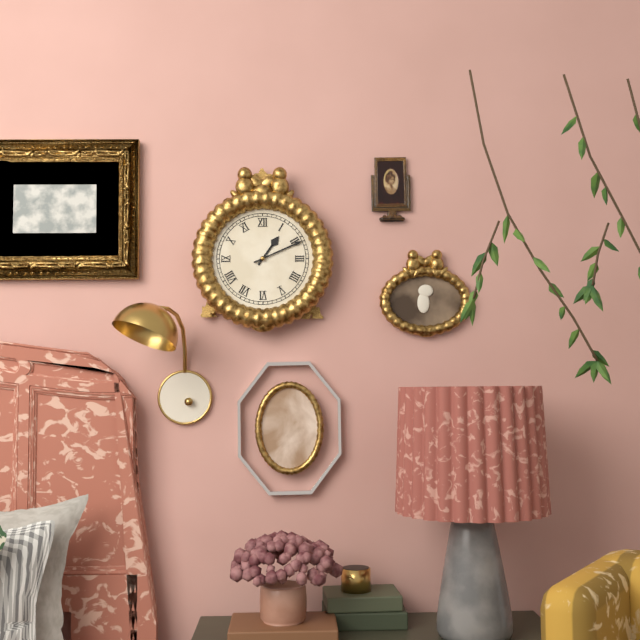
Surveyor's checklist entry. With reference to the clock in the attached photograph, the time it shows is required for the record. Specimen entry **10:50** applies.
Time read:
**1:11**
